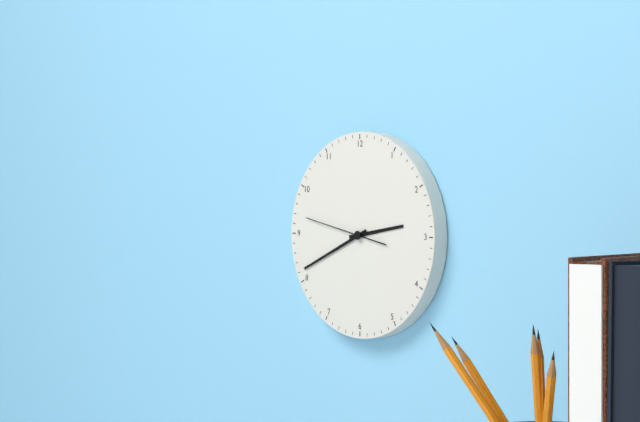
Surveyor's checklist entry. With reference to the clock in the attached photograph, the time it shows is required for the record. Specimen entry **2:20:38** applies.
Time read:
**2:41:47**
